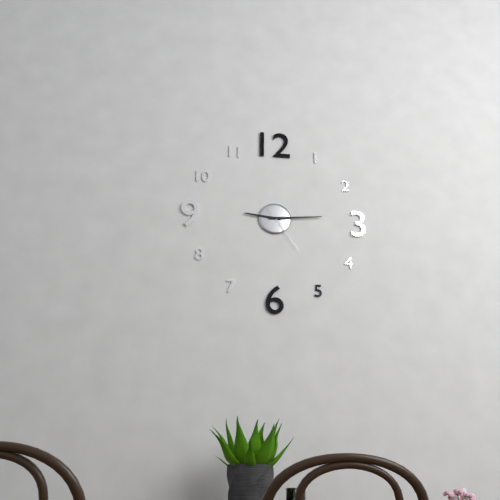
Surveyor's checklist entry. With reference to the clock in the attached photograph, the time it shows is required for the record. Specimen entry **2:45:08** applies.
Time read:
**9:14:24**
